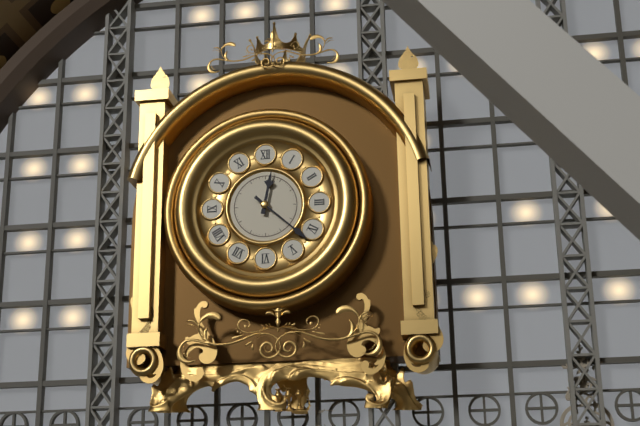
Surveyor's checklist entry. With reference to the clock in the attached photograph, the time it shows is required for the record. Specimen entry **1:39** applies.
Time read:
**12:22**
